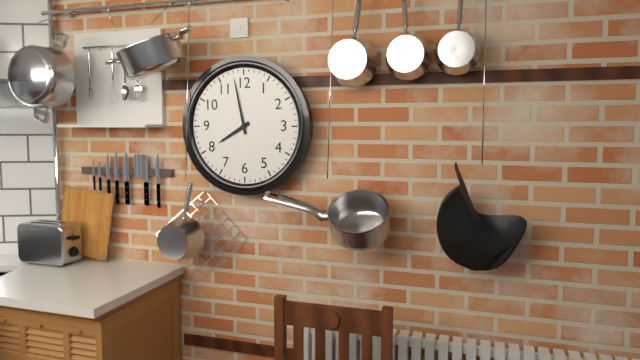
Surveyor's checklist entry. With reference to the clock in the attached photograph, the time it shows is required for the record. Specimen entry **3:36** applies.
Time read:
**7:58**
